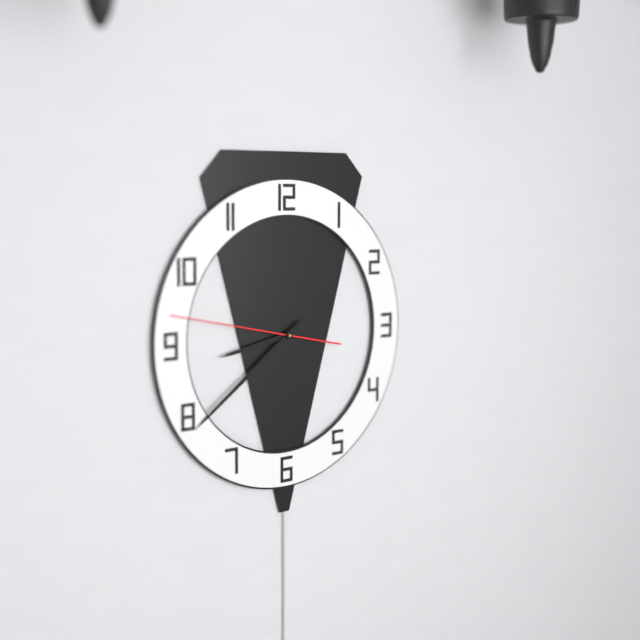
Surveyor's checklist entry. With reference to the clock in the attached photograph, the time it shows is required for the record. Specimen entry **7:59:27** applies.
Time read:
**8:39:47**
